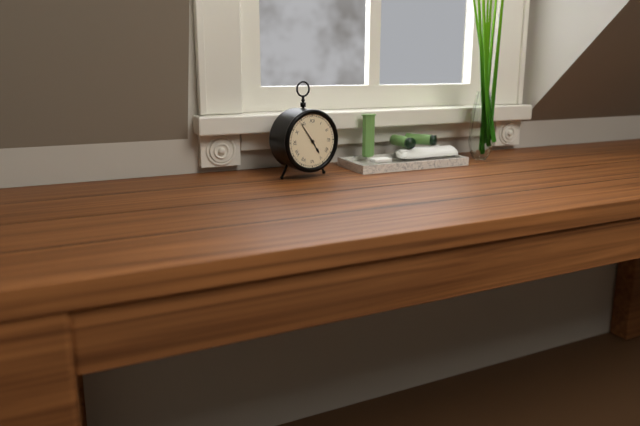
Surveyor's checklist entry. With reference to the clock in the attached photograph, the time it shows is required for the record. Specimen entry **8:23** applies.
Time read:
**4:54**
